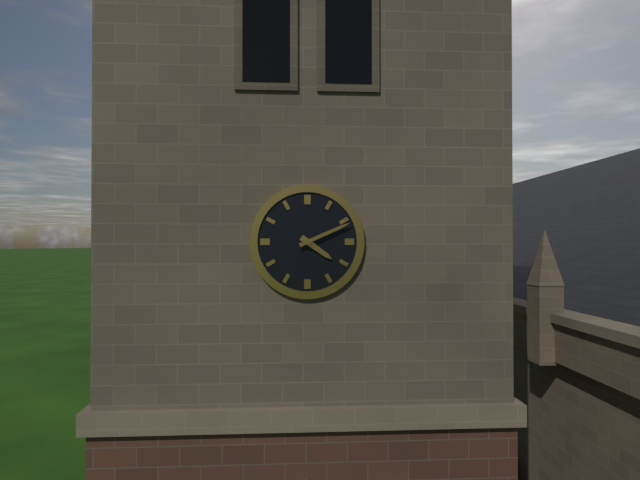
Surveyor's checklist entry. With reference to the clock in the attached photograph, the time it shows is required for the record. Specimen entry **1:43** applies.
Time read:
**4:11**
